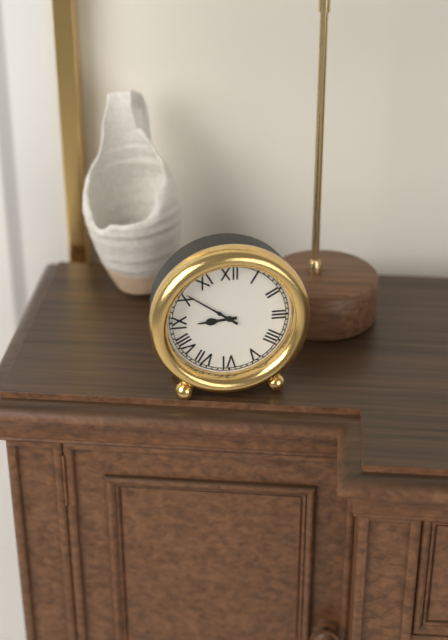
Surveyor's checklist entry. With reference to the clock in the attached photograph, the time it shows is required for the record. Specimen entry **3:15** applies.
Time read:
**8:51**
